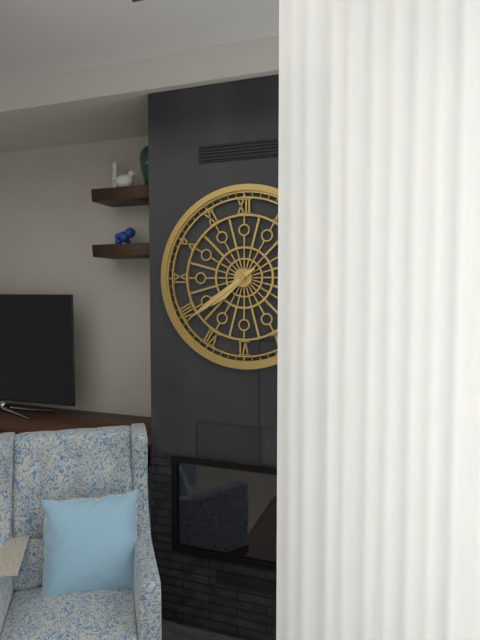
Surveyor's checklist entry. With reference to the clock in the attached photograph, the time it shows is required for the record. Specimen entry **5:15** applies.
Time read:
**7:39**
